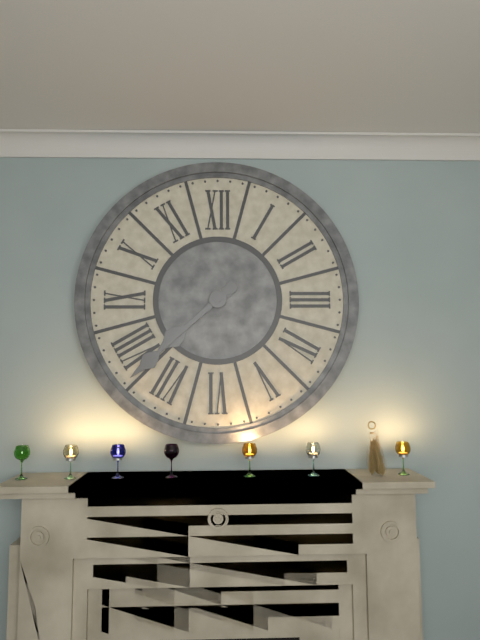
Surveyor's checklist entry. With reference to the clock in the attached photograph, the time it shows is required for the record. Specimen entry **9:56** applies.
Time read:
**7:38**
